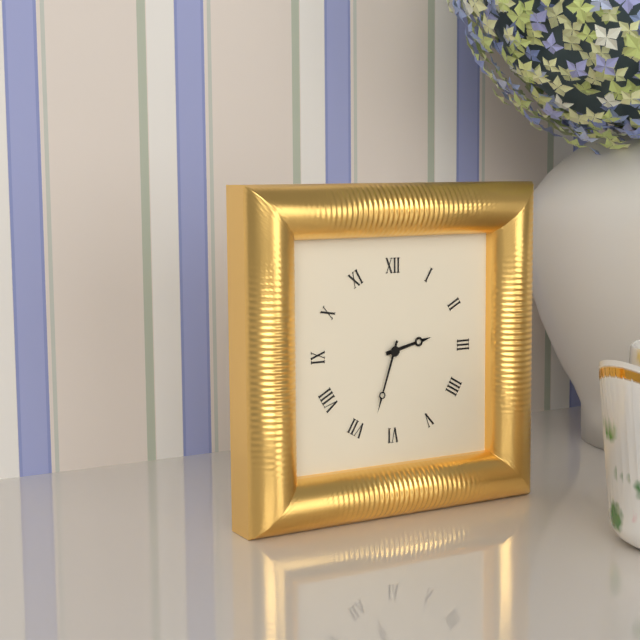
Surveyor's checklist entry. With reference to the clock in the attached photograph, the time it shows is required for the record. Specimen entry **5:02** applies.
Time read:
**2:33**
